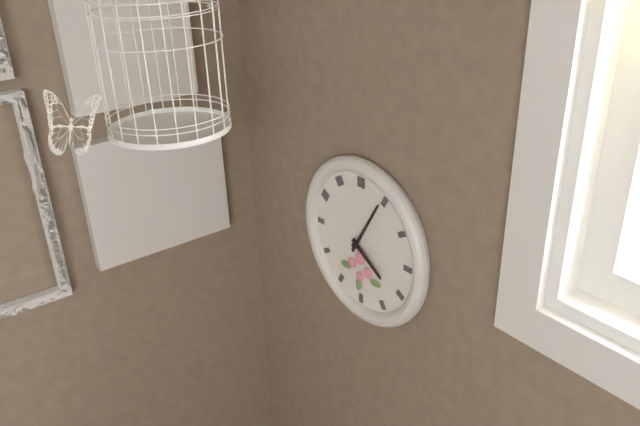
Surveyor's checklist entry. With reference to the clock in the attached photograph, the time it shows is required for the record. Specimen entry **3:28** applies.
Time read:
**4:05**
